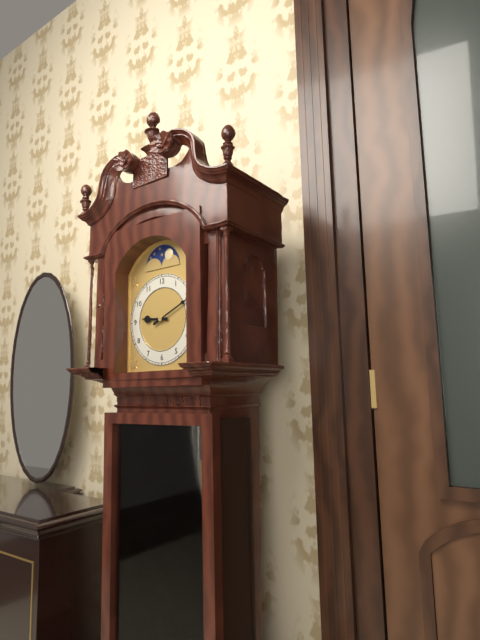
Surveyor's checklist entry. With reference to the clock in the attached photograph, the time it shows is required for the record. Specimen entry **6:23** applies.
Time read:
**9:11**
